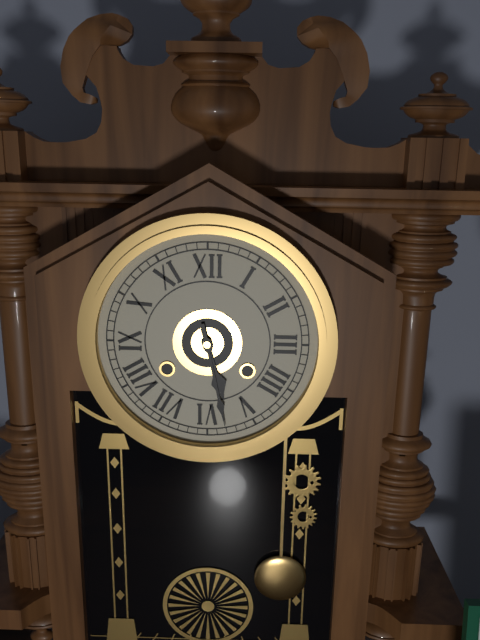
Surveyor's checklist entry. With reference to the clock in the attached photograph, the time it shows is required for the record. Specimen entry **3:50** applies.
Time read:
**5:28**
